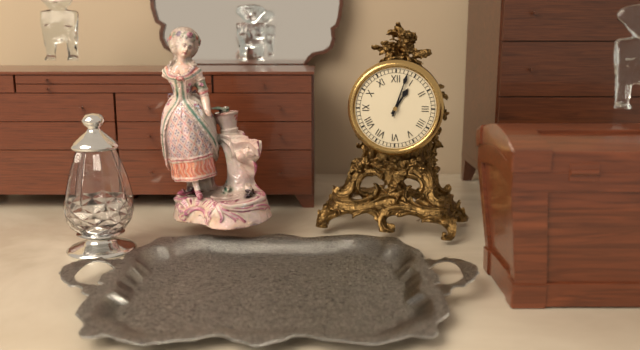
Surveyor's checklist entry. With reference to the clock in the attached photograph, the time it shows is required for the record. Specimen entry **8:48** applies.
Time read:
**1:03**
